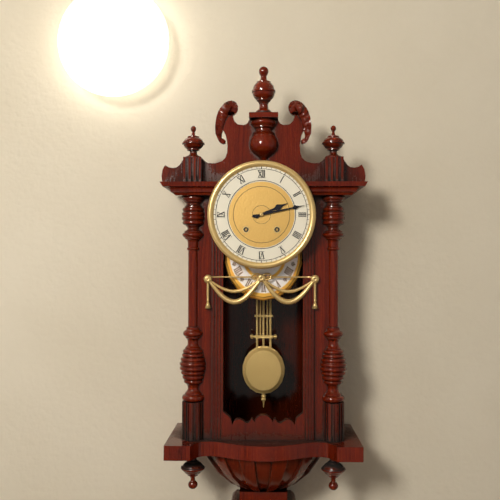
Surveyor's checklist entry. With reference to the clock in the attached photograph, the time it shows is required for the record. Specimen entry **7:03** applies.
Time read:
**2:13**
